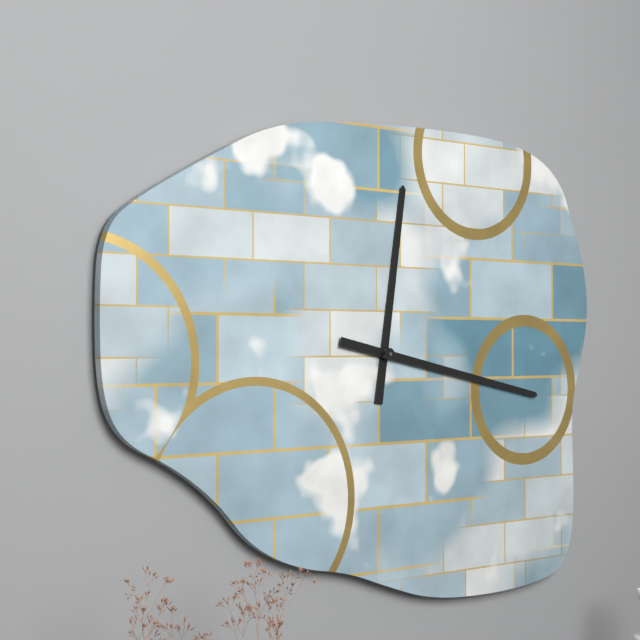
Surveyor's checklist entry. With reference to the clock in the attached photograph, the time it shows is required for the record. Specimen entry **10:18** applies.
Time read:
**12:17**
